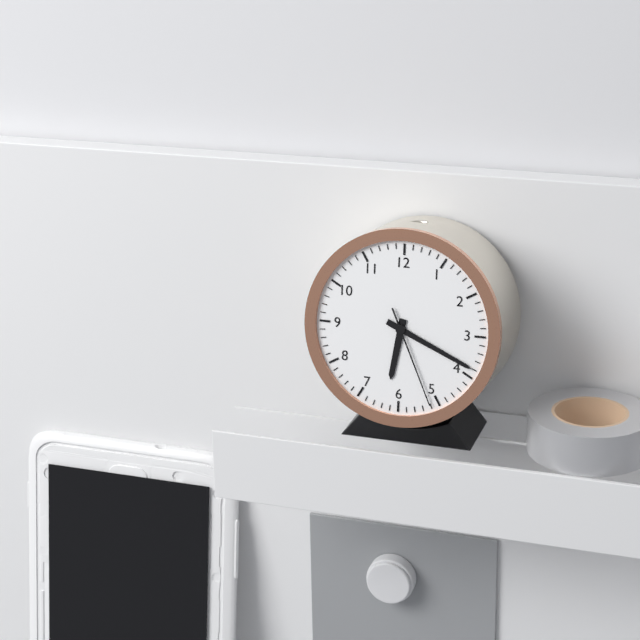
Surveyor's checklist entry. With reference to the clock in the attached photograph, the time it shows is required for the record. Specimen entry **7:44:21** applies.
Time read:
**6:19:26**
